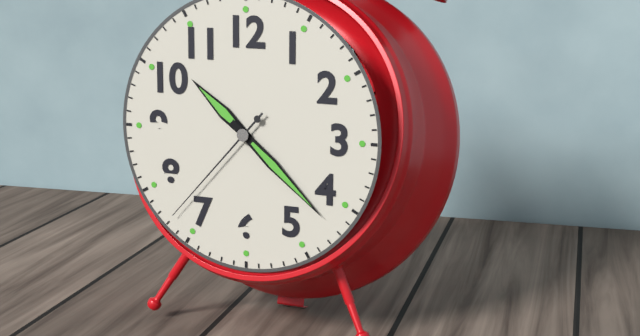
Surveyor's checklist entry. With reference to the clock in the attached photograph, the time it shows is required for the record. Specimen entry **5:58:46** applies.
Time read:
**10:22:37**
